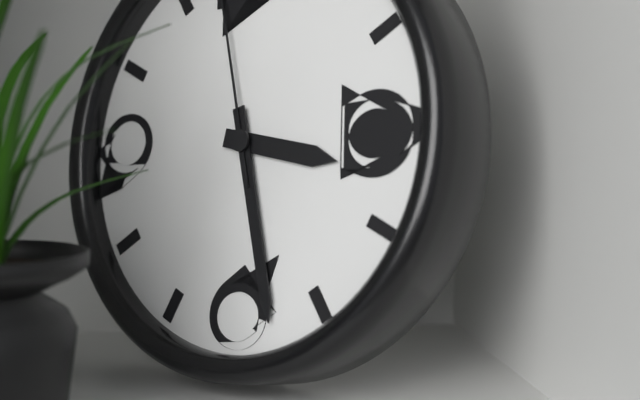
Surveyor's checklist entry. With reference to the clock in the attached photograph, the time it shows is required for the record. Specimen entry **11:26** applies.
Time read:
**3:28**
